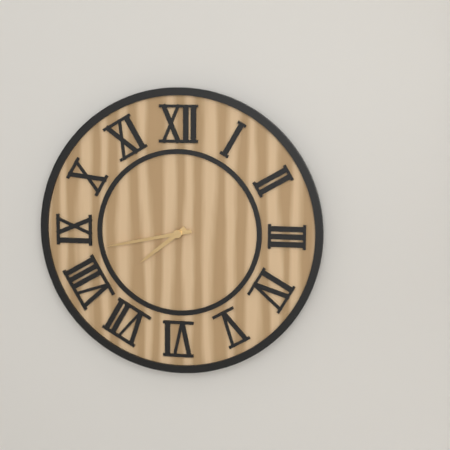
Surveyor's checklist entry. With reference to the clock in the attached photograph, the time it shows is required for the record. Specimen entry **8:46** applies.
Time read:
**7:43**
